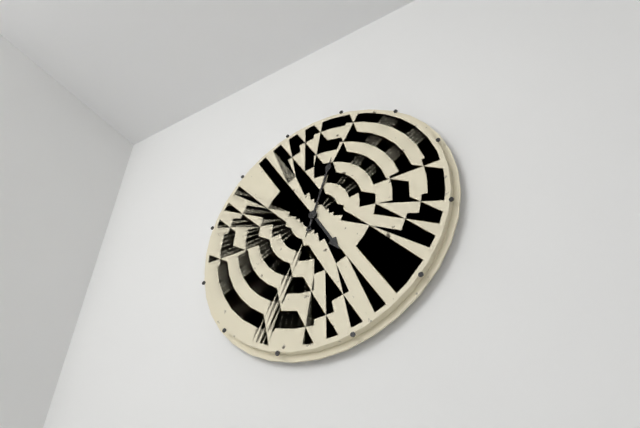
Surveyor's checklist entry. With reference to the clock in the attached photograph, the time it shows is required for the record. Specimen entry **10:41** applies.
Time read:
**5:03**
